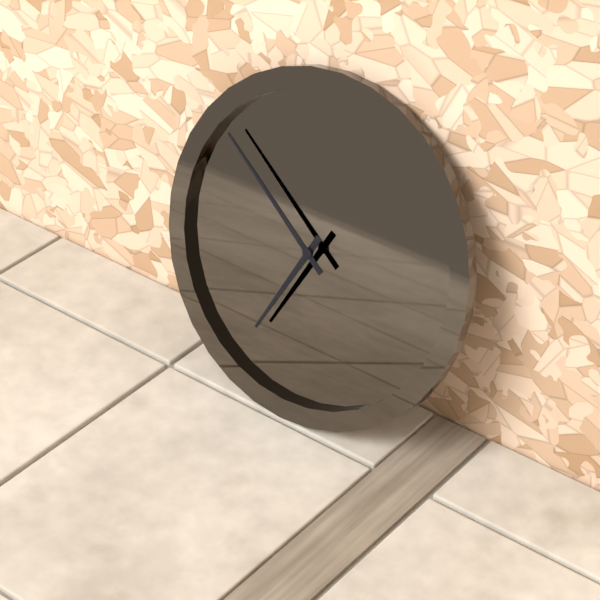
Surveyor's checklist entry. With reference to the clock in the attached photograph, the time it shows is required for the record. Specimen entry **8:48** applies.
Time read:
**6:51**
